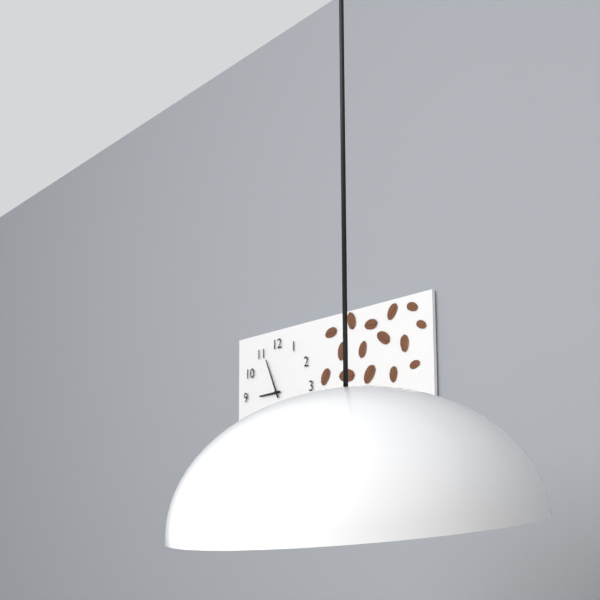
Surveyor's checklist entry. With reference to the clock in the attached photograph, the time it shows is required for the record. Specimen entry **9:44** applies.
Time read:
**8:56**
